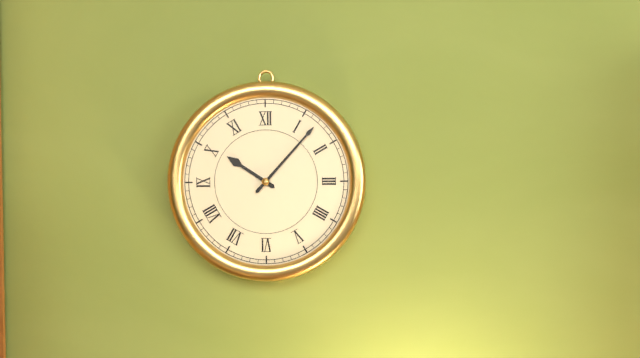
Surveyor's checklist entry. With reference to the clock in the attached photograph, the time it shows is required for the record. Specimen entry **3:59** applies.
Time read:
**10:07**
